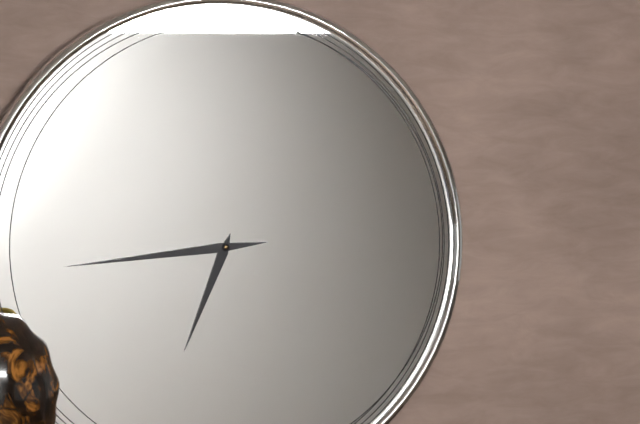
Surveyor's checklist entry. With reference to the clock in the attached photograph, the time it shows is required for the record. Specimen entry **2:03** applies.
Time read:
**6:44**
